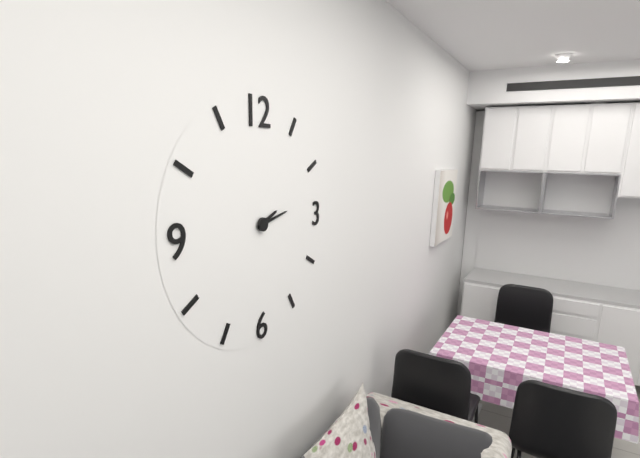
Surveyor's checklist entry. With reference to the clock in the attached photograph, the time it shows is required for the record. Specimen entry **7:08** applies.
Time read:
**2:13**
